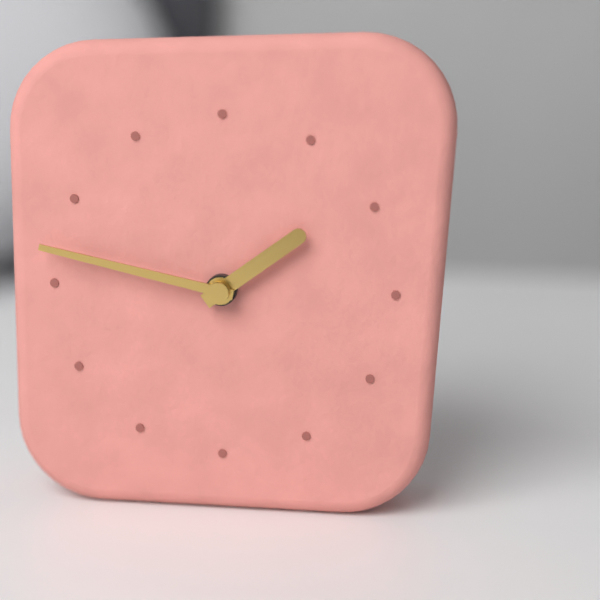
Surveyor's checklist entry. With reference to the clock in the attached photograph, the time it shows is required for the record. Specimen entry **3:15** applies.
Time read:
**1:47**
